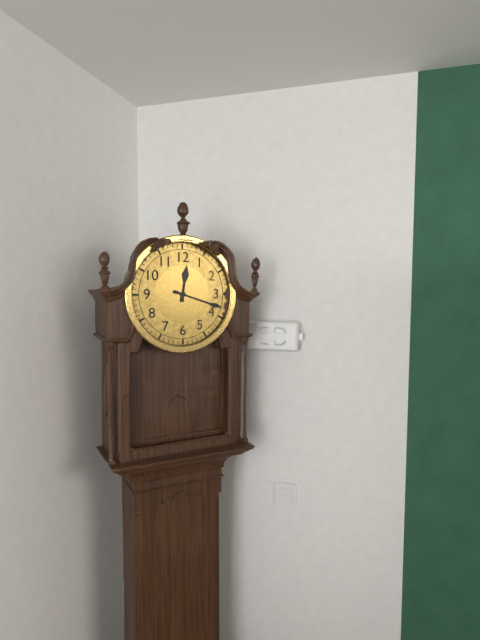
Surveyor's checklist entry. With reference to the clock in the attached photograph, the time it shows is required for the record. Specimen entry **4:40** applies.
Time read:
**12:18**
